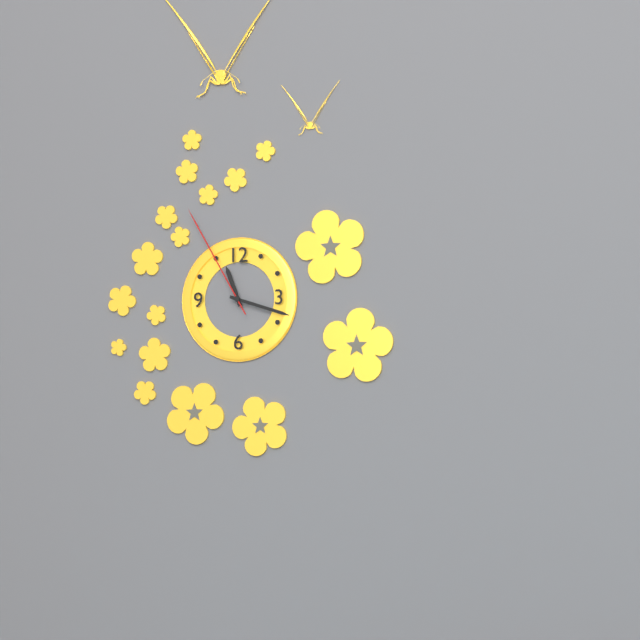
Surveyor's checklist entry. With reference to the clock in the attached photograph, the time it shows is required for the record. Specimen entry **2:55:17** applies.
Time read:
**11:18:55**
